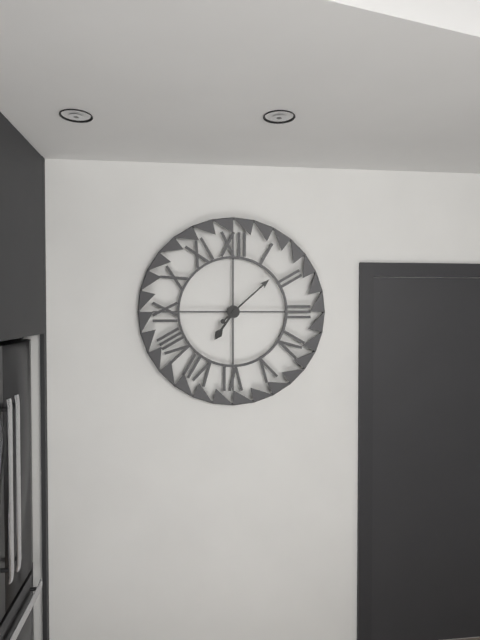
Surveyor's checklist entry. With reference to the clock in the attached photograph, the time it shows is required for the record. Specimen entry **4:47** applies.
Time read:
**7:08**
